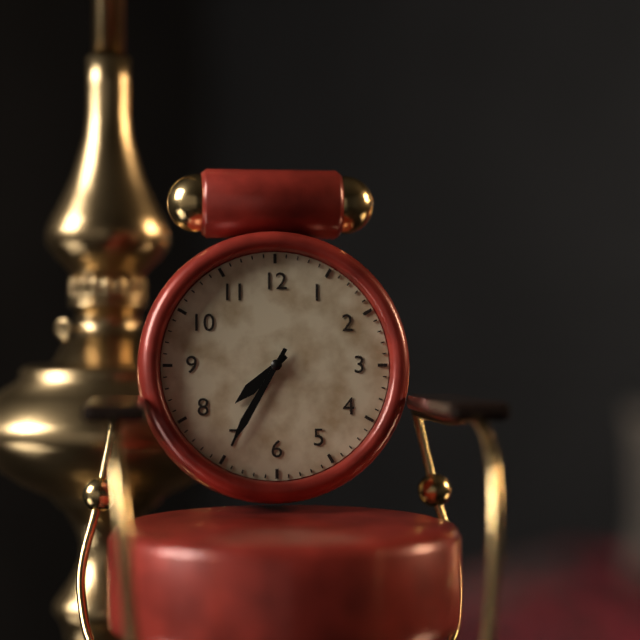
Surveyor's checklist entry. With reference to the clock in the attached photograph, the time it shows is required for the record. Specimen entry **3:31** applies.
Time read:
**7:35**
